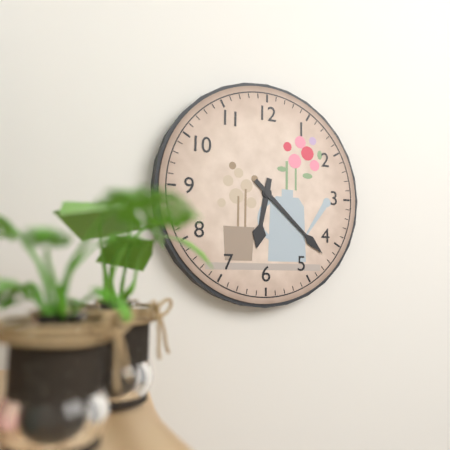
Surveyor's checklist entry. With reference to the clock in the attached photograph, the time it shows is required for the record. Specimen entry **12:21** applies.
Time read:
**6:22**
